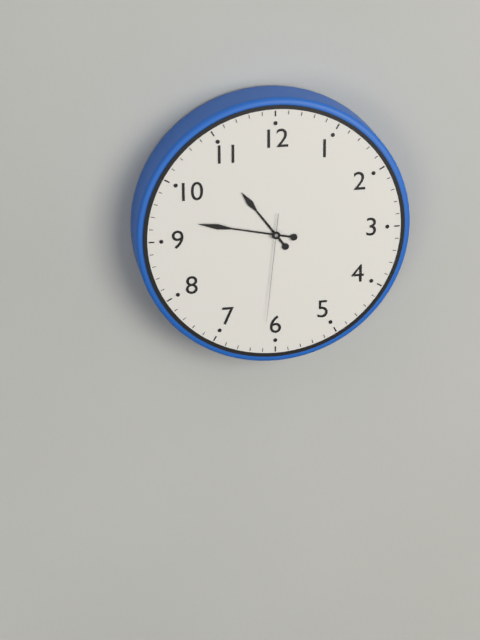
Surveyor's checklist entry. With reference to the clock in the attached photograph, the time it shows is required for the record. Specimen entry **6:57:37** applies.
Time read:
**10:47:31**
